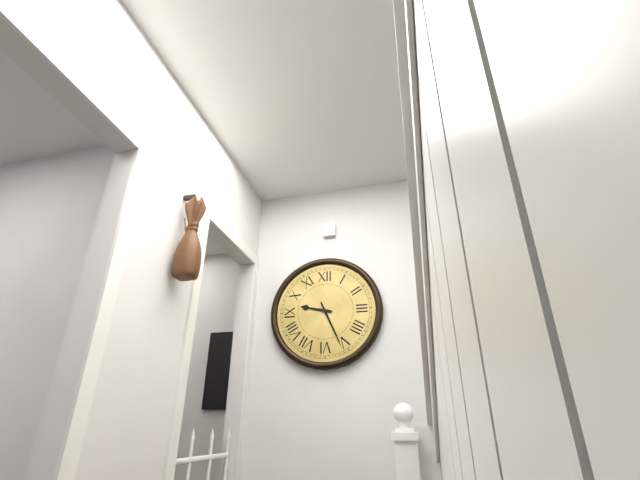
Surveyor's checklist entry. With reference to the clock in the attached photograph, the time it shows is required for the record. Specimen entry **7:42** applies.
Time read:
**9:26**
